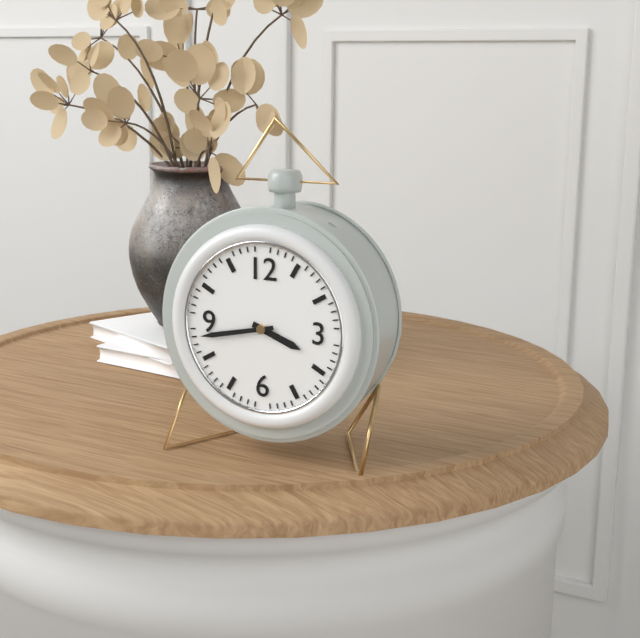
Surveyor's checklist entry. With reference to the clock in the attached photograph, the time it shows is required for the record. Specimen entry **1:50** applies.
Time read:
**3:43**
